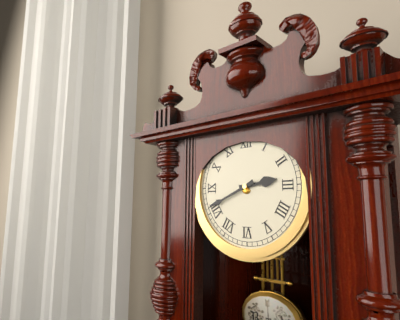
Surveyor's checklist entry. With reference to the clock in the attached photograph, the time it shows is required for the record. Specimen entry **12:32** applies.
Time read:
**2:41**
